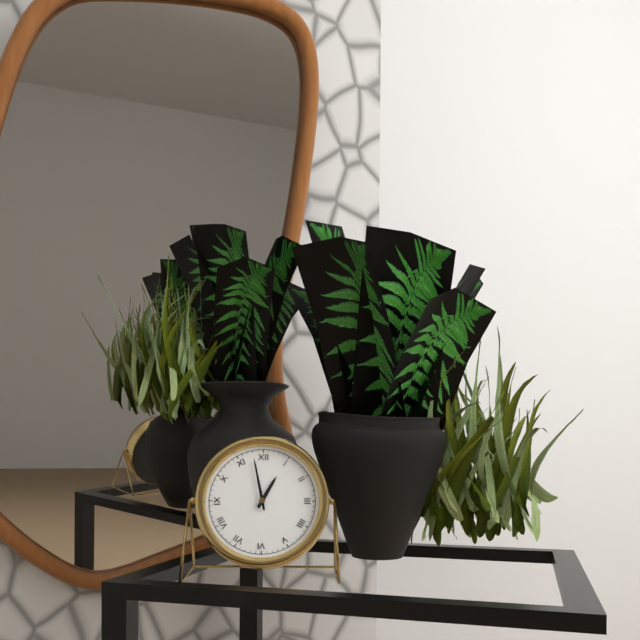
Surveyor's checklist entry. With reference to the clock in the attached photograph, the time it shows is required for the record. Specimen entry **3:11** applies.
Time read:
**12:58**
